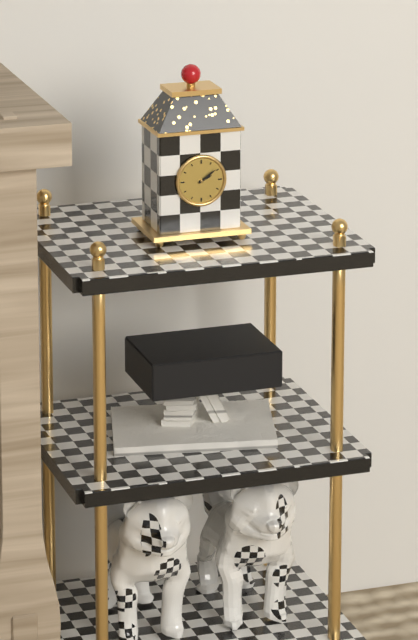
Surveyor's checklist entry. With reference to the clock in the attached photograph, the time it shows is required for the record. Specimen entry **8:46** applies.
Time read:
**2:09**
